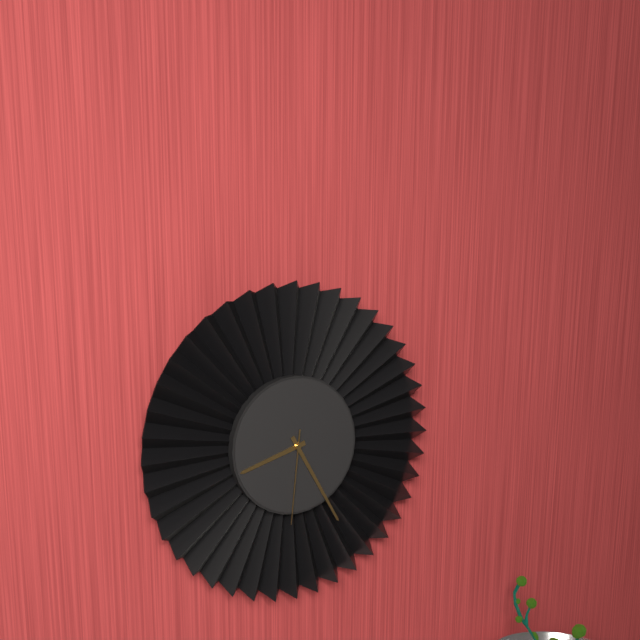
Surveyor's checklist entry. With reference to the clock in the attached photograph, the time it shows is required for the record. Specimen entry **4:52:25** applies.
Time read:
**8:25:31**
